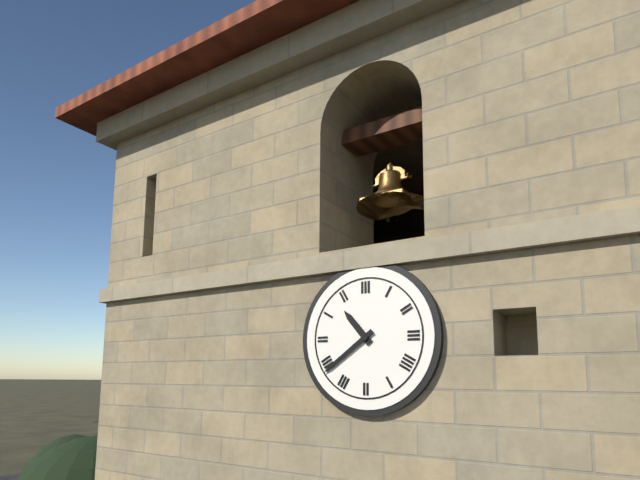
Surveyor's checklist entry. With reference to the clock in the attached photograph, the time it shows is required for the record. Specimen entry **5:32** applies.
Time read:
**10:39**
